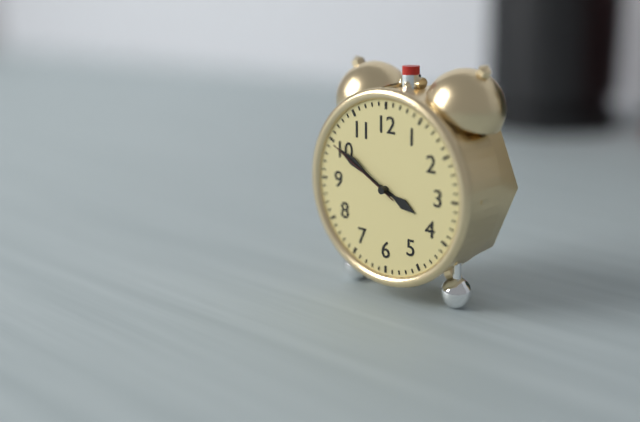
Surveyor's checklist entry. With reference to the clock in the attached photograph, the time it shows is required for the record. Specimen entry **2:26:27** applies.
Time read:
**3:50:50**
